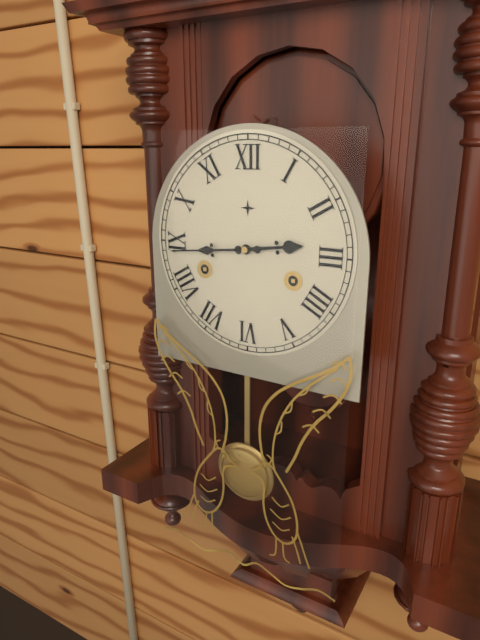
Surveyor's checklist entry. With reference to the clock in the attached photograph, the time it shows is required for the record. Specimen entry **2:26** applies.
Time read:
**2:44**
